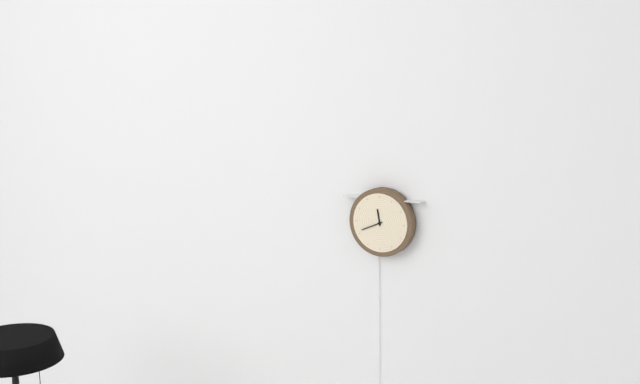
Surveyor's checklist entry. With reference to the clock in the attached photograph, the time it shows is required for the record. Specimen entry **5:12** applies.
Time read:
**11:41**
